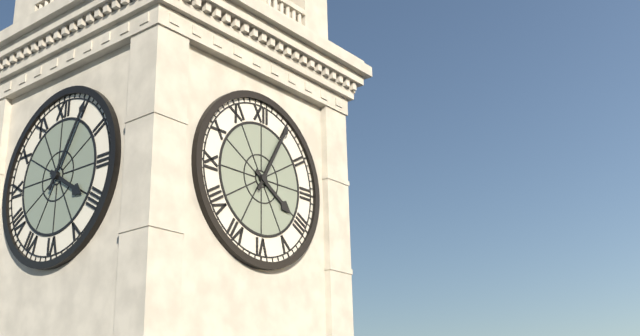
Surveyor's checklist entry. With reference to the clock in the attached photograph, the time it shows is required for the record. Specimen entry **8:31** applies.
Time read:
**4:05**
